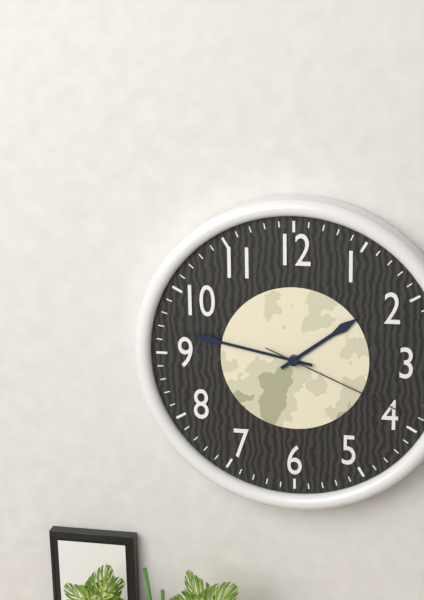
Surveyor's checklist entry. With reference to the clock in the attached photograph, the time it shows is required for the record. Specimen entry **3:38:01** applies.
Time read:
**1:47:19**
